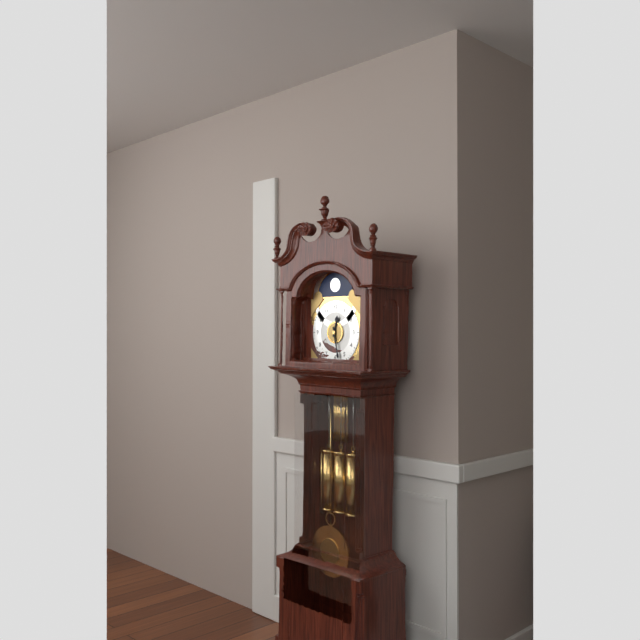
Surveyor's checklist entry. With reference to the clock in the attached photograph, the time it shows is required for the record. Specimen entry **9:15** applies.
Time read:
**12:28**
